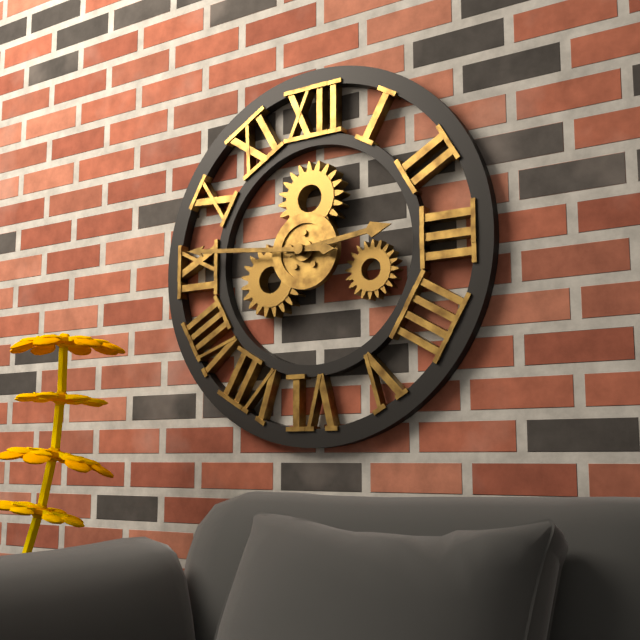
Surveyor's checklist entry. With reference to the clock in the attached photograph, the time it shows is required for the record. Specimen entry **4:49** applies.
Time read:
**2:46**
